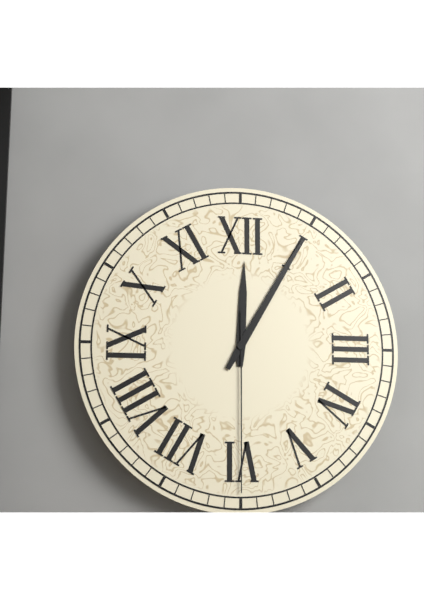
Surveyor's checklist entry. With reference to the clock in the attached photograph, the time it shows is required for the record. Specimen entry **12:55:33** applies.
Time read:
**12:05:30**
